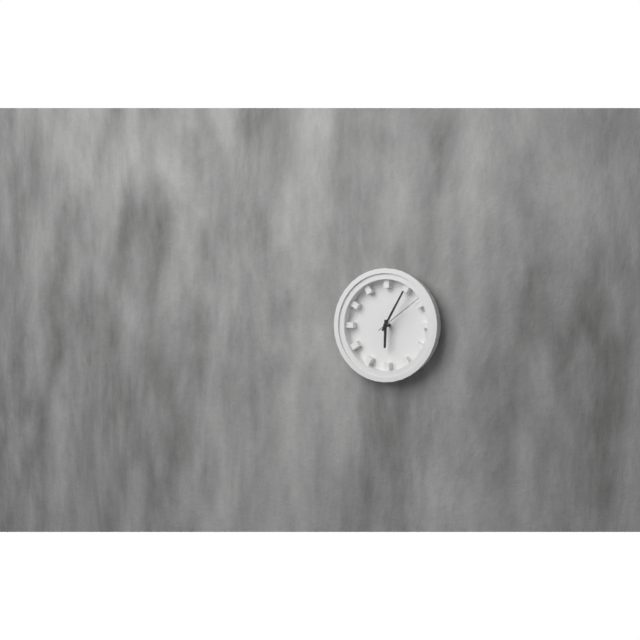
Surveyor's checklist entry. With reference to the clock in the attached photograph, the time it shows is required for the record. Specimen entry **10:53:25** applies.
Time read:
**6:05:09**
